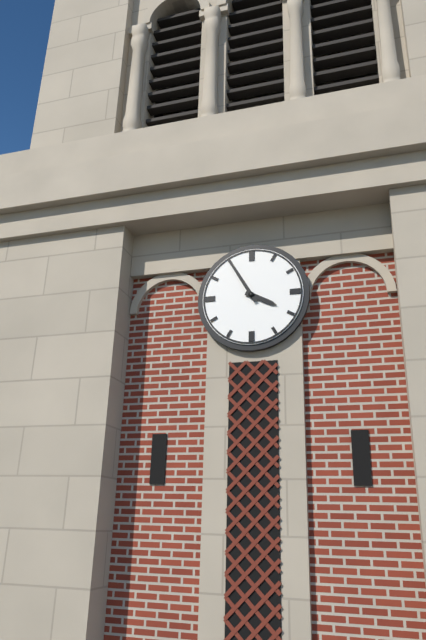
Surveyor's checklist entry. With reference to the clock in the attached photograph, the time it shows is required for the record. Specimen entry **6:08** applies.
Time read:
**3:55**
